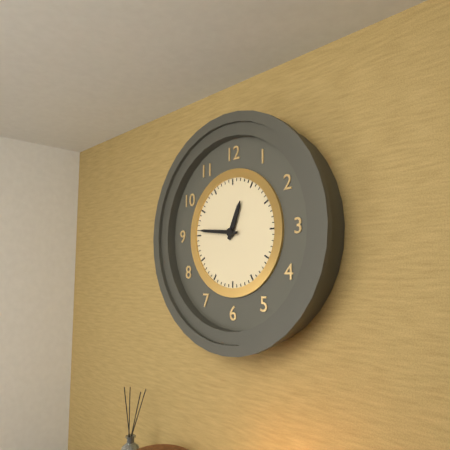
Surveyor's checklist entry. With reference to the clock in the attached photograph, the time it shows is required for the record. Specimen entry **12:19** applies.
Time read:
**12:46**
